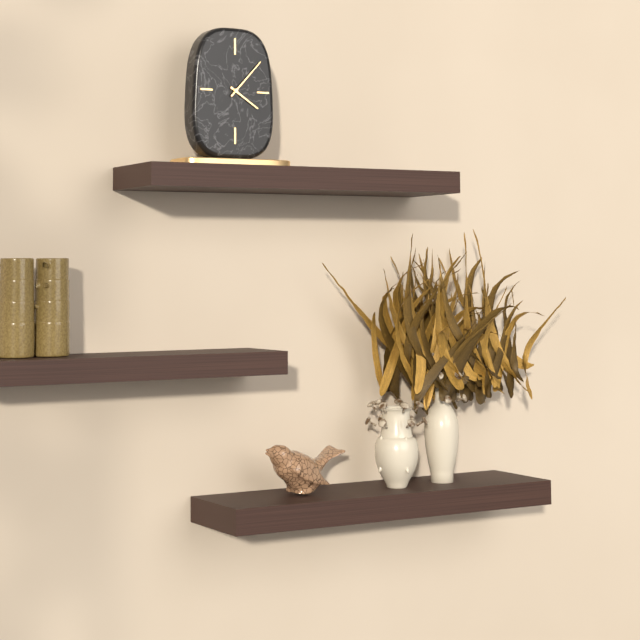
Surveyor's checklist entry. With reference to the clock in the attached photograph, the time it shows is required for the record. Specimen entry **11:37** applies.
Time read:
**4:07**
